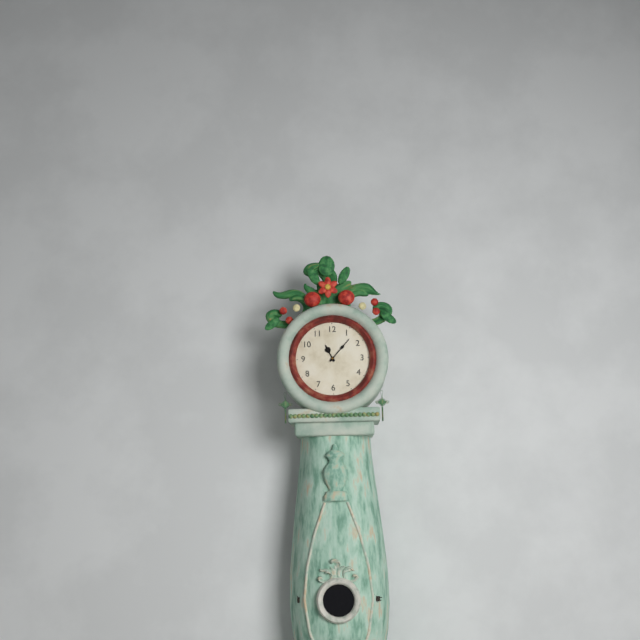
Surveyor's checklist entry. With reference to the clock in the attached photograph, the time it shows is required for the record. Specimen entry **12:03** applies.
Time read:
**11:07**
